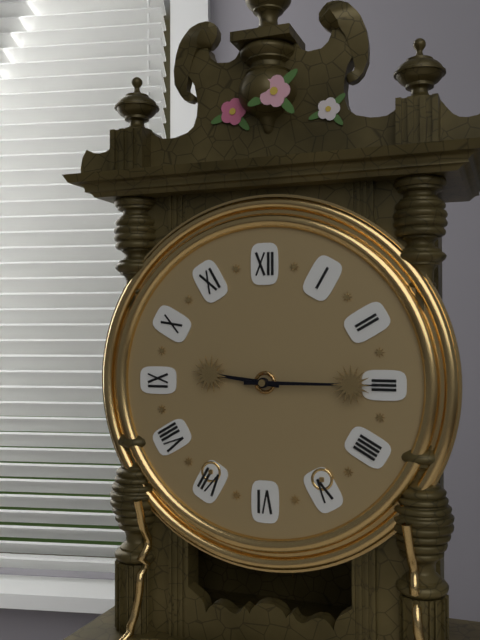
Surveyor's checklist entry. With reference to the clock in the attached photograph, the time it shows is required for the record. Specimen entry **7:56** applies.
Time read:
**9:15**
